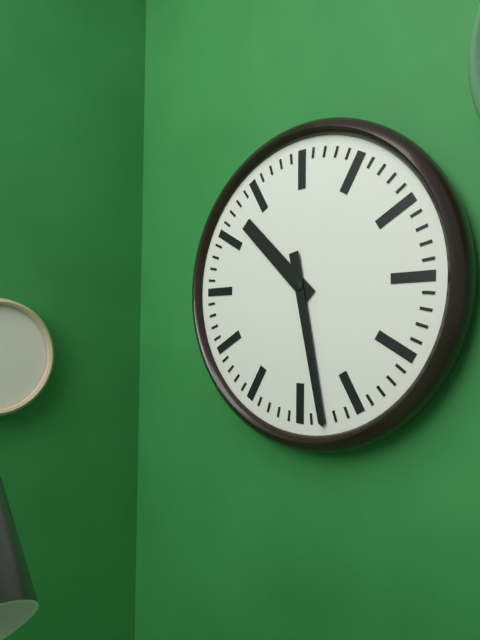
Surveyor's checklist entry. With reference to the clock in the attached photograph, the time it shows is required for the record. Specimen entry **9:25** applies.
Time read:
**10:28**
